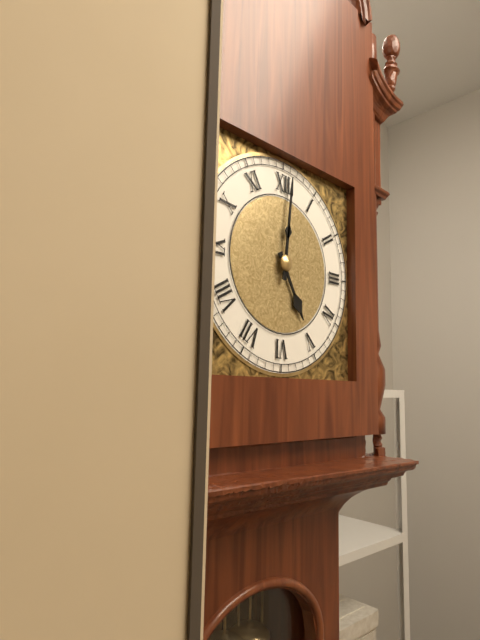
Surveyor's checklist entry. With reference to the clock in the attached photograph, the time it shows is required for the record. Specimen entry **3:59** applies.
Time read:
**5:01**
